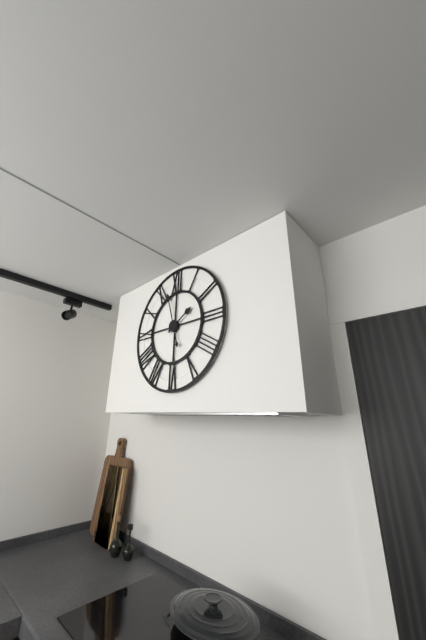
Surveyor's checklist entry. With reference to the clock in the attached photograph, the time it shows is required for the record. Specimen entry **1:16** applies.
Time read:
**1:57**
